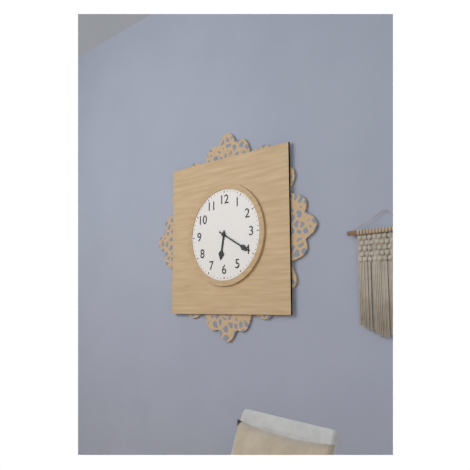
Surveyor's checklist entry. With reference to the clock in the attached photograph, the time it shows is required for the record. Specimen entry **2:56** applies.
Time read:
**6:20**
